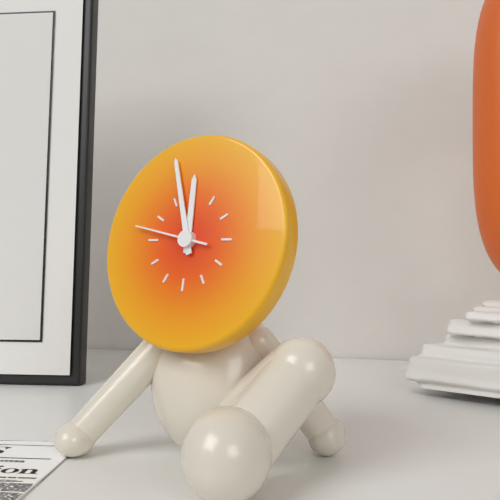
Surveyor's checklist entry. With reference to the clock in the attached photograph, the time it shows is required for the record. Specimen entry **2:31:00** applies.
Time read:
**11:57:47**
